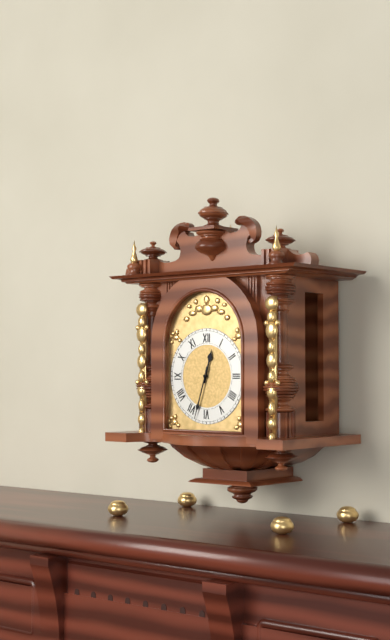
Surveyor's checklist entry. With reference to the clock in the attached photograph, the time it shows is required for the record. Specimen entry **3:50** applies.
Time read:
**12:33**
